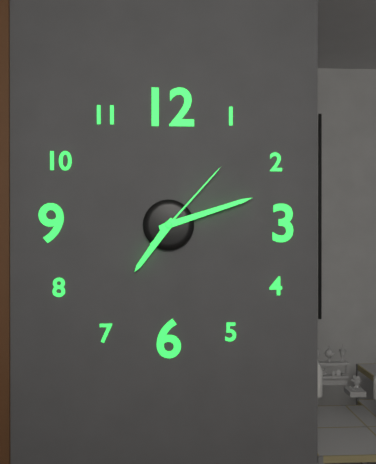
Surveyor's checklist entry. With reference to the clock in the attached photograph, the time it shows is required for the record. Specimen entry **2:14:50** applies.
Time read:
**7:12:07**
